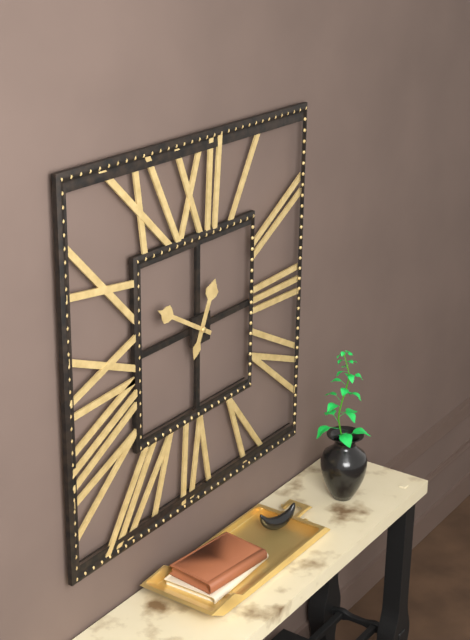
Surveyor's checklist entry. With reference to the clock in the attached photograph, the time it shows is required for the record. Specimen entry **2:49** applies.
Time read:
**12:50**
